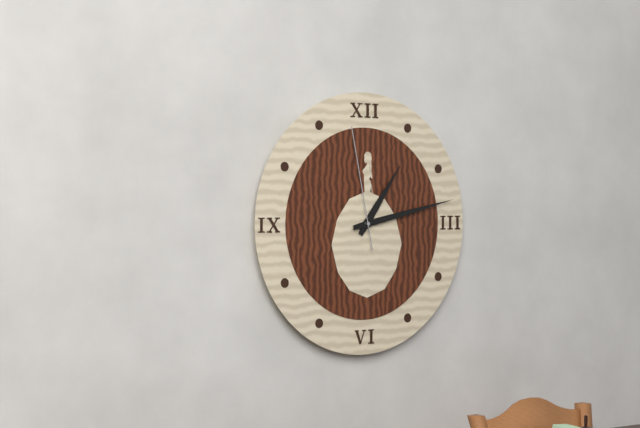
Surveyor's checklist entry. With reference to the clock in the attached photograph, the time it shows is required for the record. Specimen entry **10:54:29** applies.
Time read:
**1:13:58**
